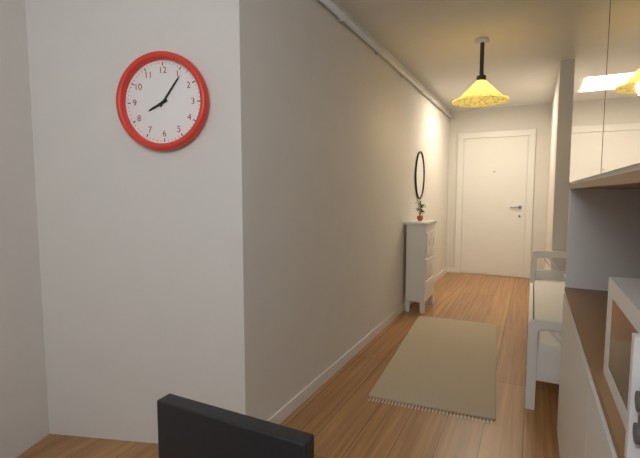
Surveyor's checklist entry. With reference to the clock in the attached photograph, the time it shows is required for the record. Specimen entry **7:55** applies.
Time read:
**8:06**
